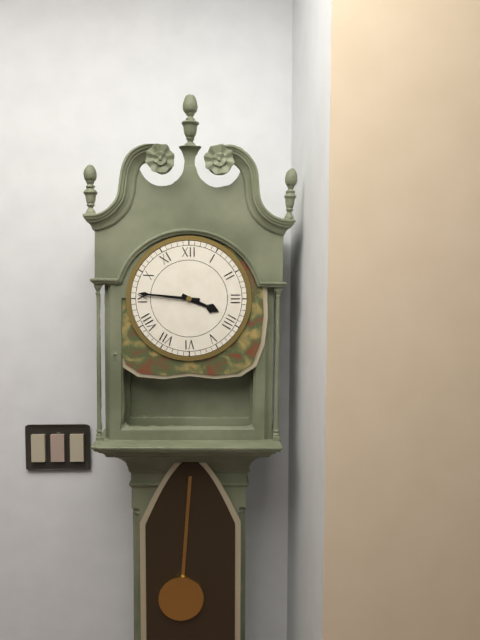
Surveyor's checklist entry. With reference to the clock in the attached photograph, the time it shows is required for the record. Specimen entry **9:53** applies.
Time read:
**3:46**
